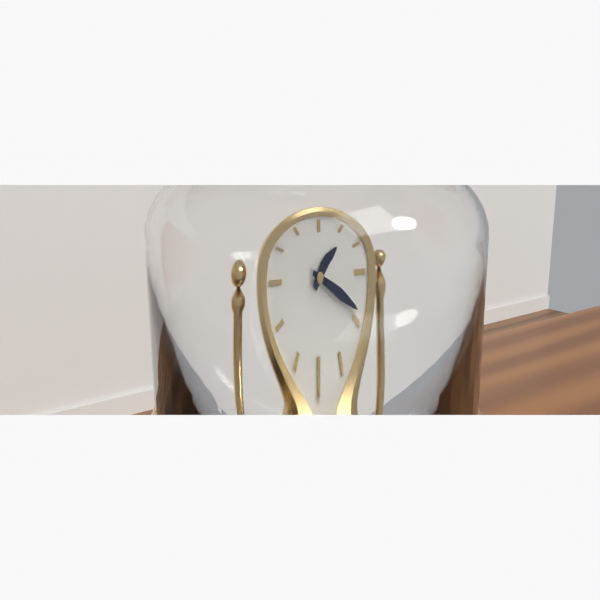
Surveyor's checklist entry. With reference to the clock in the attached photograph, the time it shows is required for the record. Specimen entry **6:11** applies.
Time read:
**1:19**
